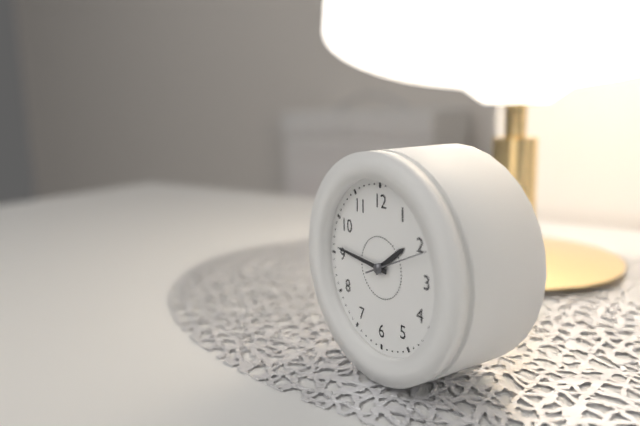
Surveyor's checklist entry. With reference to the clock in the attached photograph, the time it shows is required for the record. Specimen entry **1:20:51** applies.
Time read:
**1:46:11**
